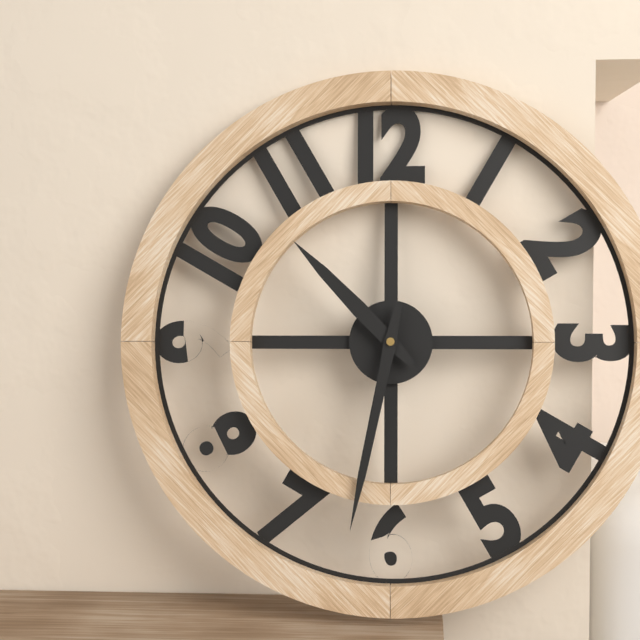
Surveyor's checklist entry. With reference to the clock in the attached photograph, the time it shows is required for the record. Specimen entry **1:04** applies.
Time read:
**10:32**
